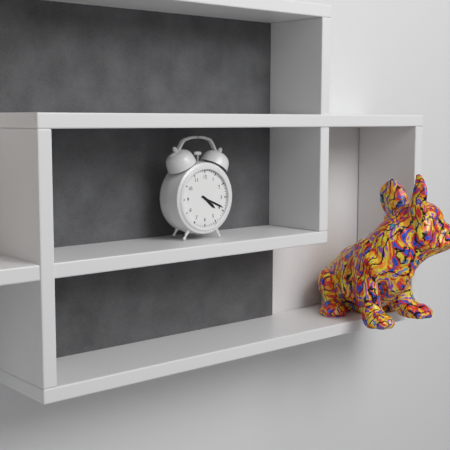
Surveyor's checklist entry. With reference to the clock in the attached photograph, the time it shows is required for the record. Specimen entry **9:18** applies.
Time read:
**4:19**
